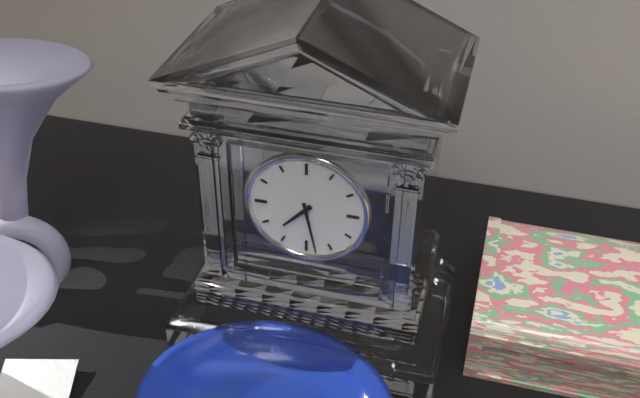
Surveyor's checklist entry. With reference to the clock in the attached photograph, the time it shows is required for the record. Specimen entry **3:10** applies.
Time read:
**7:28**
